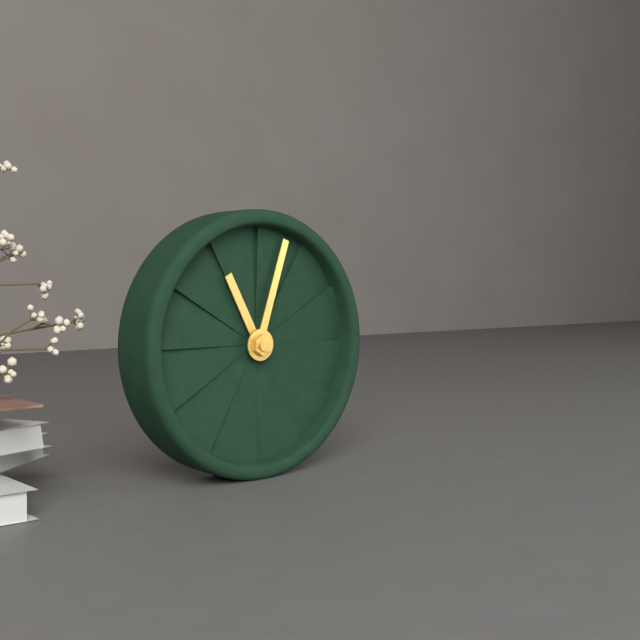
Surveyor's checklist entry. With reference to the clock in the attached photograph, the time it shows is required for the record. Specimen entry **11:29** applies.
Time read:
**11:03**
